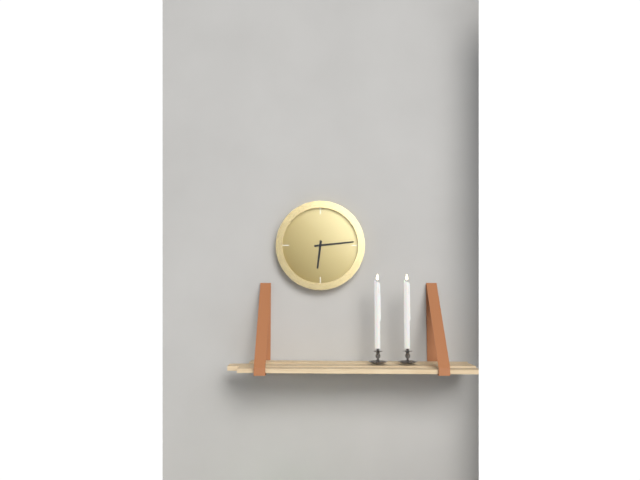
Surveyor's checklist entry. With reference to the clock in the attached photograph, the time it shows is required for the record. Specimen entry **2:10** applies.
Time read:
**6:14**
